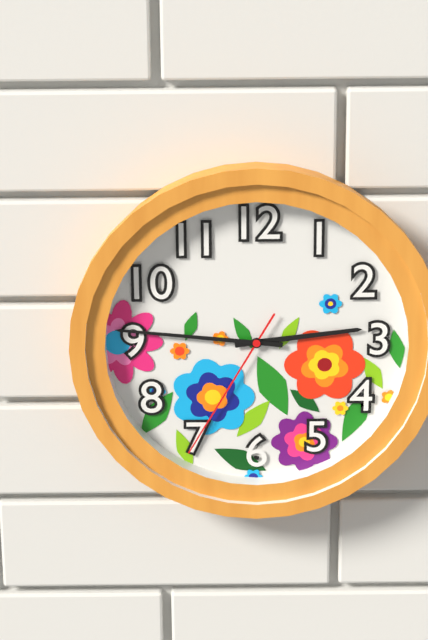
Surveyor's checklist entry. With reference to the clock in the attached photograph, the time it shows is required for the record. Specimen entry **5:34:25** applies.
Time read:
**2:46:35**
